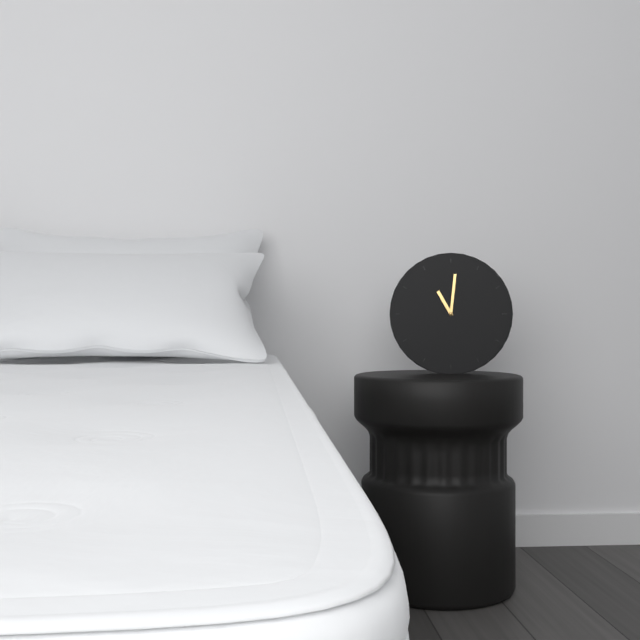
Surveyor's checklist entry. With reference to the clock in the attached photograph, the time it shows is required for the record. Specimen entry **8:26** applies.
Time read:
**11:01**
